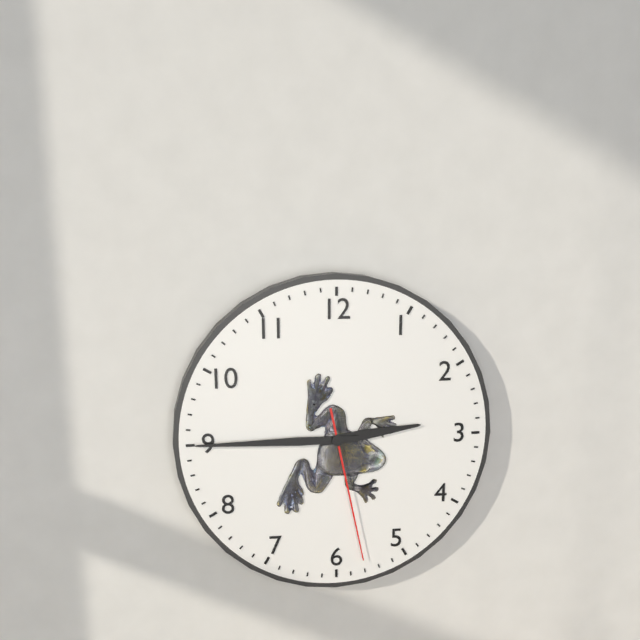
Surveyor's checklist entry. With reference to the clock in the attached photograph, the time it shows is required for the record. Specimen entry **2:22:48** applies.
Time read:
**2:45:28**
